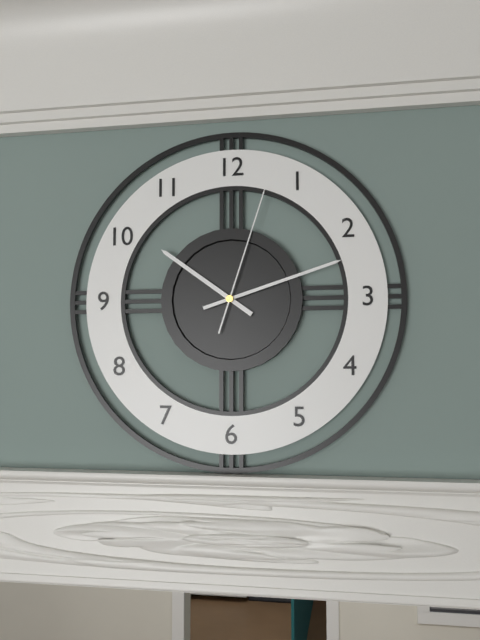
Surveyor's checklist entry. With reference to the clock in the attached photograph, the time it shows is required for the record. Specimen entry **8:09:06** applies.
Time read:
**10:12:03**
